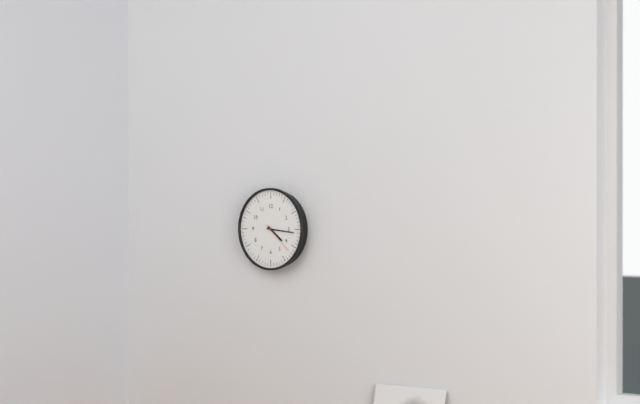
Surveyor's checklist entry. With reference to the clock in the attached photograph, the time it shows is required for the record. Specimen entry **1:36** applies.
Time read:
**4:16**
